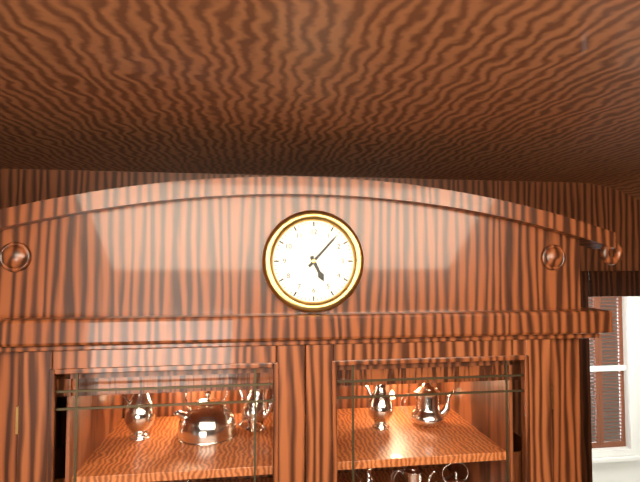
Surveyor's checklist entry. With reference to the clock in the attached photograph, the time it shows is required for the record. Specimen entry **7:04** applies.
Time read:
**5:07**
